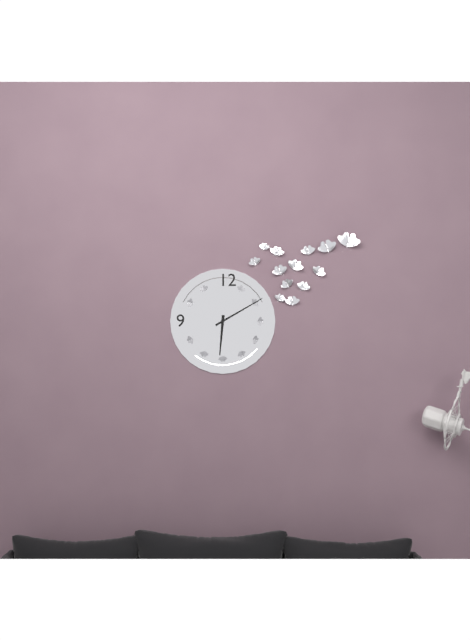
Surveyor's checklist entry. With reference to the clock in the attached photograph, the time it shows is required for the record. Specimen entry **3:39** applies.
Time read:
**6:10**
